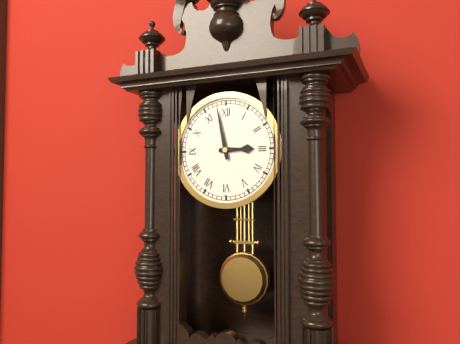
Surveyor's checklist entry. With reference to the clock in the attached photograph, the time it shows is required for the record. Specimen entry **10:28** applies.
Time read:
**2:58**
